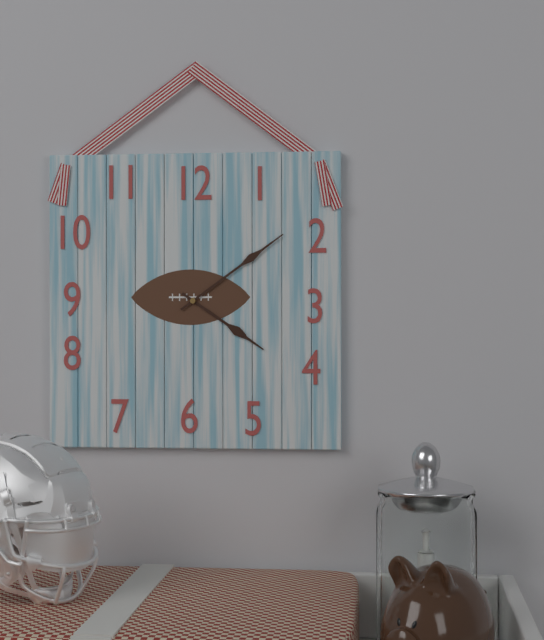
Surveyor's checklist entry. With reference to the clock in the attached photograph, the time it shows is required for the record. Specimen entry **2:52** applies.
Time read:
**4:09**
